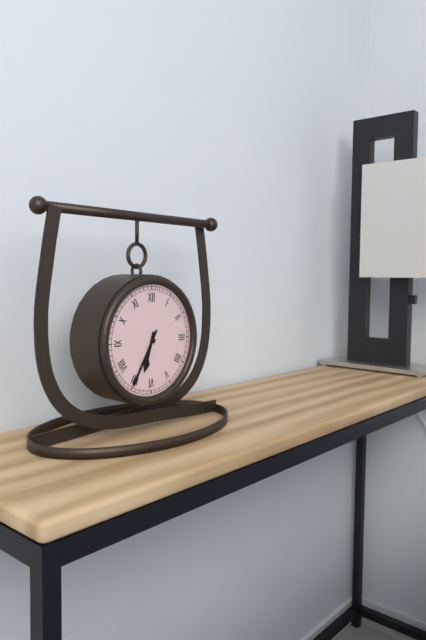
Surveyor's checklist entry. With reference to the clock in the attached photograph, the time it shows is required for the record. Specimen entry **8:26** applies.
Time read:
**6:35**
